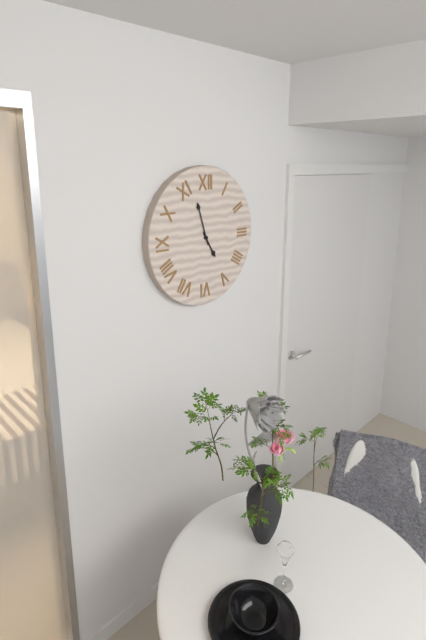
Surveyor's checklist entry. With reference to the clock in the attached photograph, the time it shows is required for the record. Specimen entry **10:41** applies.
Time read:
**4:57**
